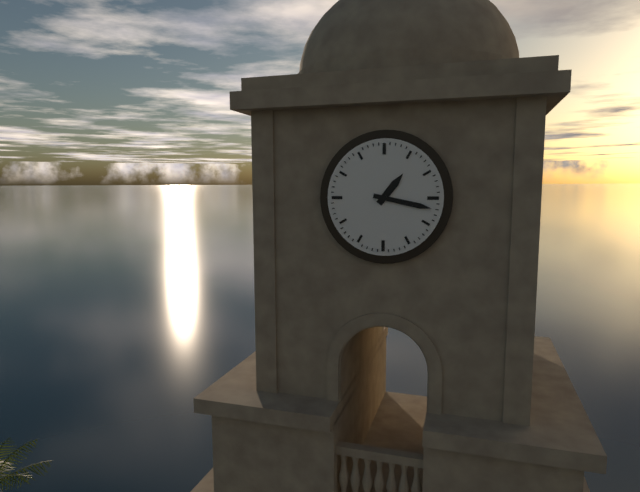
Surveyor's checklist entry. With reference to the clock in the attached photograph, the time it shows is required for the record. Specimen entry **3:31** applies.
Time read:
**1:17**
